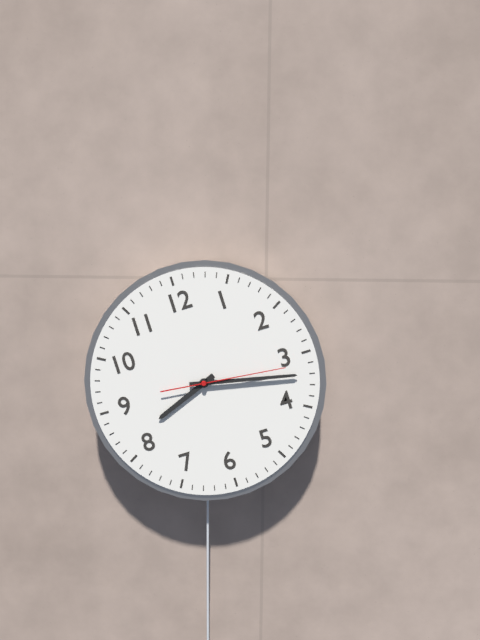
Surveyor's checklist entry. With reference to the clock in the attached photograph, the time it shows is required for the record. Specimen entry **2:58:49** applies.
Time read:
**8:17:16**
